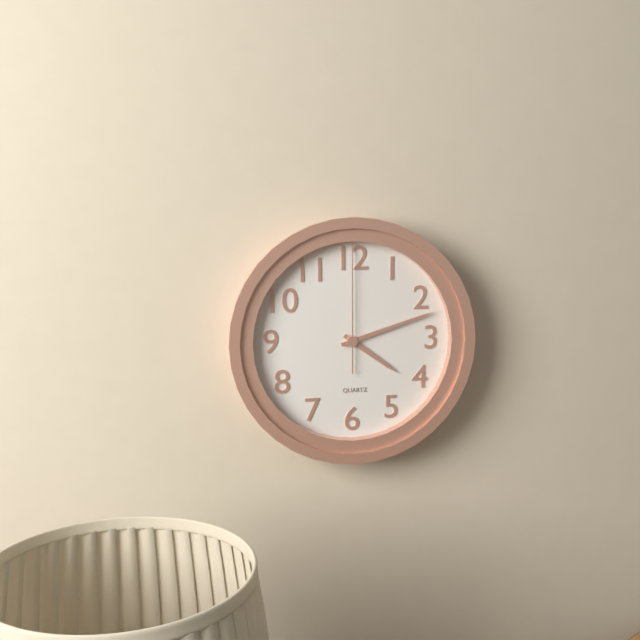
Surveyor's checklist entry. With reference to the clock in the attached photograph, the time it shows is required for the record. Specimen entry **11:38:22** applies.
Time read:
**4:12:00**
